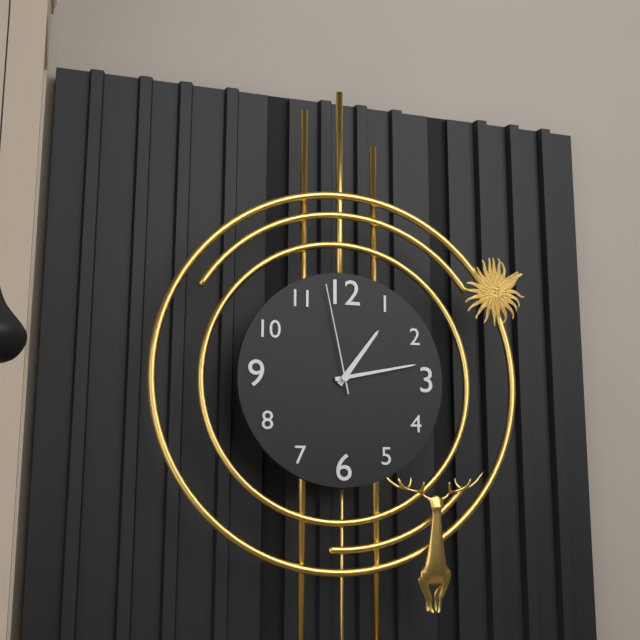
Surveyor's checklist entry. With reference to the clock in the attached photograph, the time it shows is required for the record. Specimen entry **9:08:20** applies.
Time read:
**1:13:58**
